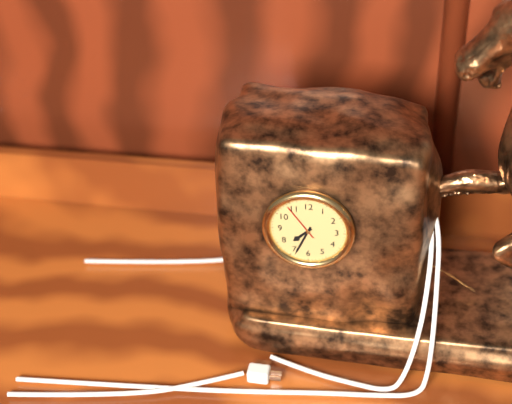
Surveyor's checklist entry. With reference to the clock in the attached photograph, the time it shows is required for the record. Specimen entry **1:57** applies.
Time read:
**7:34**
